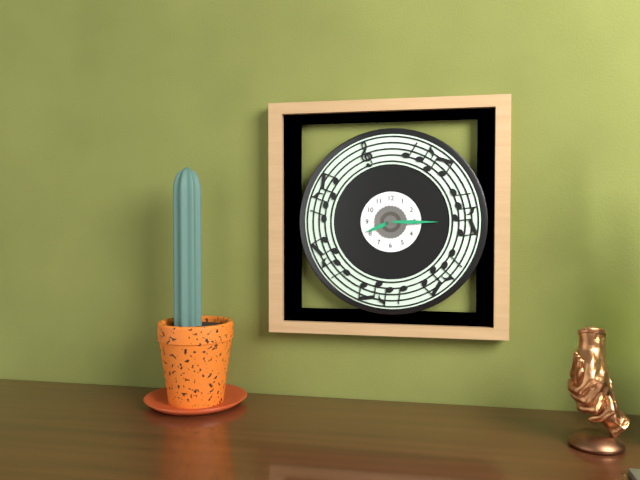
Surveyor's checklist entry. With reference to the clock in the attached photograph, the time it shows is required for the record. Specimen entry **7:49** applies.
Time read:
**8:15**
